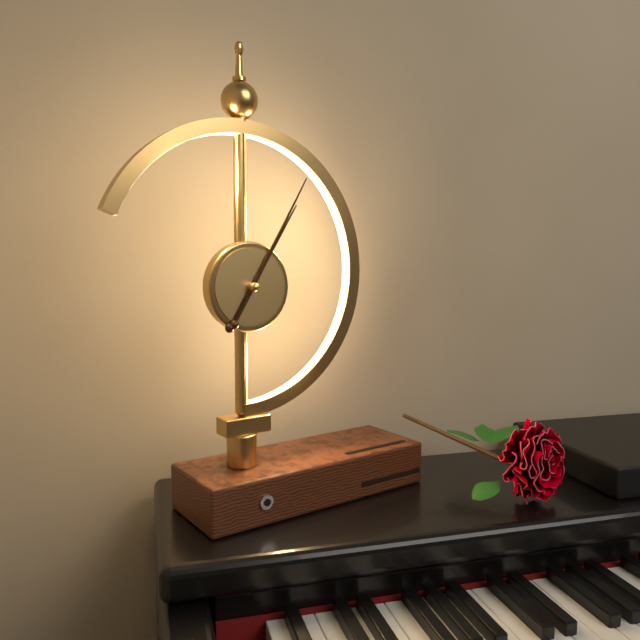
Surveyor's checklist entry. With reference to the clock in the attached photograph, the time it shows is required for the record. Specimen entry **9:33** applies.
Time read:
**1:05**
